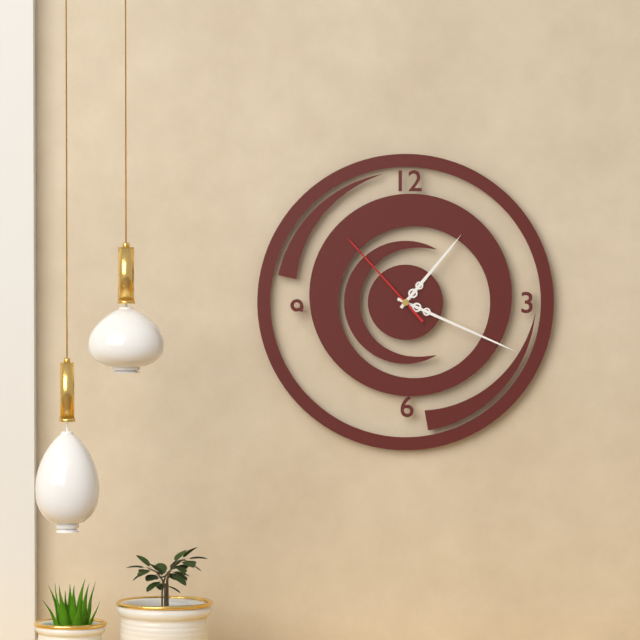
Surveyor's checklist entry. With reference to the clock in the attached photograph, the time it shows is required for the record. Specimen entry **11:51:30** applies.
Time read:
**1:19:53**
